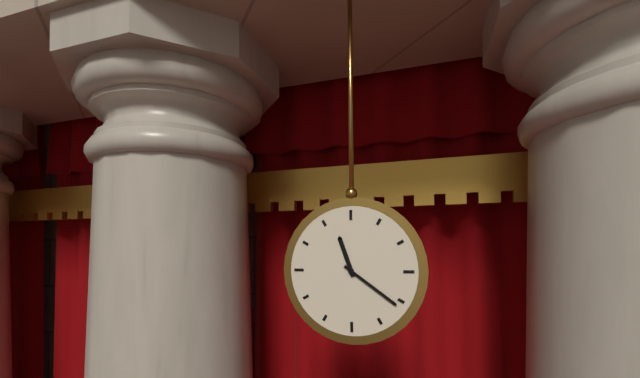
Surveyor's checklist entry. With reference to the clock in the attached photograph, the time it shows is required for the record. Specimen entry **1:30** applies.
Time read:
**11:21**
